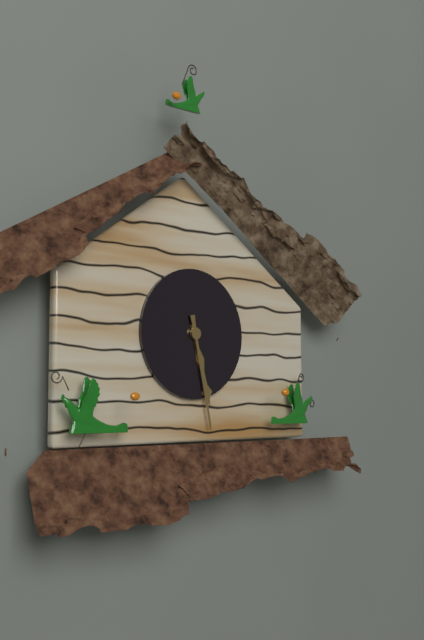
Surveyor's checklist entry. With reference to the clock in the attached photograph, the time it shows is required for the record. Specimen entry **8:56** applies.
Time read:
**5:28**
